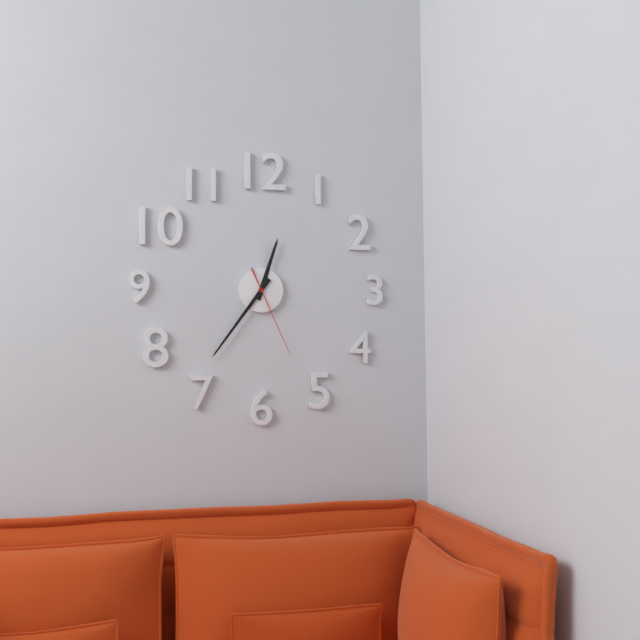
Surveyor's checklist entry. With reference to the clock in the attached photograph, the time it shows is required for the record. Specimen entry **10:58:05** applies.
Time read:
**12:36:26**
